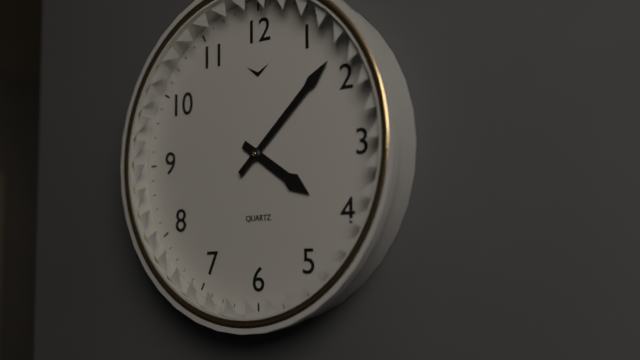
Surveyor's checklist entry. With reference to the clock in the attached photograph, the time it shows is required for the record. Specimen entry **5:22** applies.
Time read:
**4:08**
